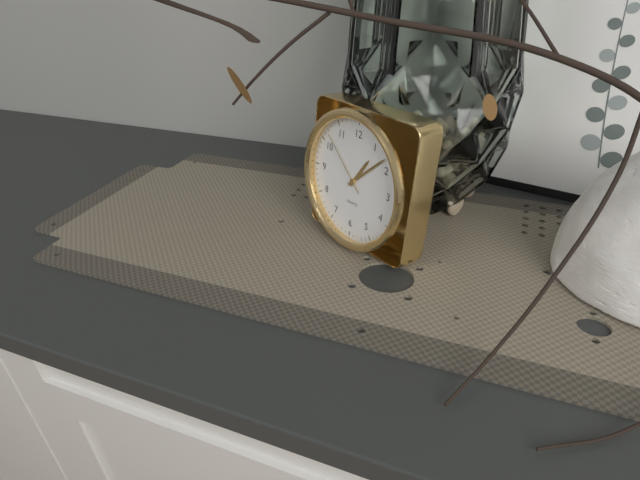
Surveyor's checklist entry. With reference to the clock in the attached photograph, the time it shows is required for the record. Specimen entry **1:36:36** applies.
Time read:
**1:08:52**
